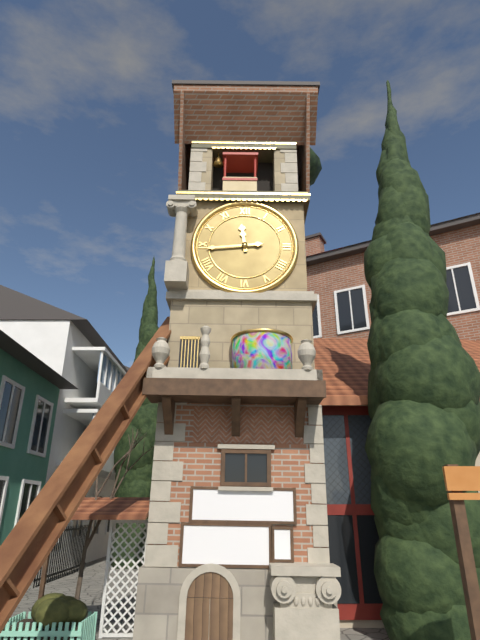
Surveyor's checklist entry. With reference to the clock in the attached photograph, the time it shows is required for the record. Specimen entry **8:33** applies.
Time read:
**11:44**
